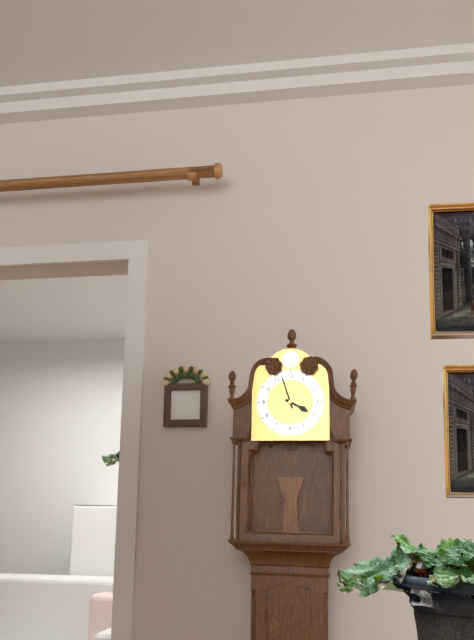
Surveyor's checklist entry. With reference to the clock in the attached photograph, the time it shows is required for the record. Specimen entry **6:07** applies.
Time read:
**3:57**
